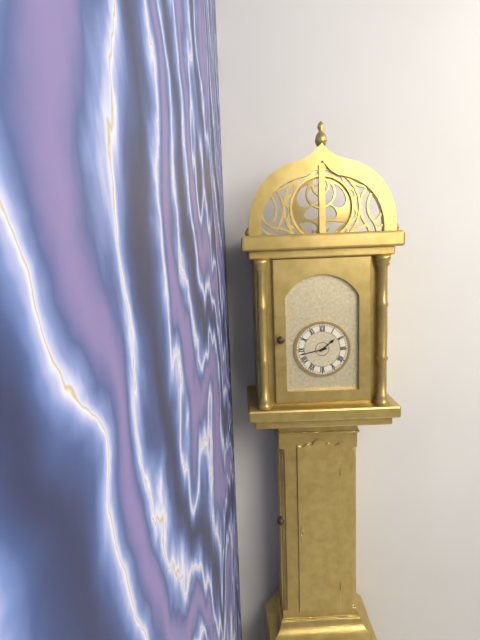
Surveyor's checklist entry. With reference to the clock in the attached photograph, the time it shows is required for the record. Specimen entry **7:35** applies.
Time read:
**1:43**
